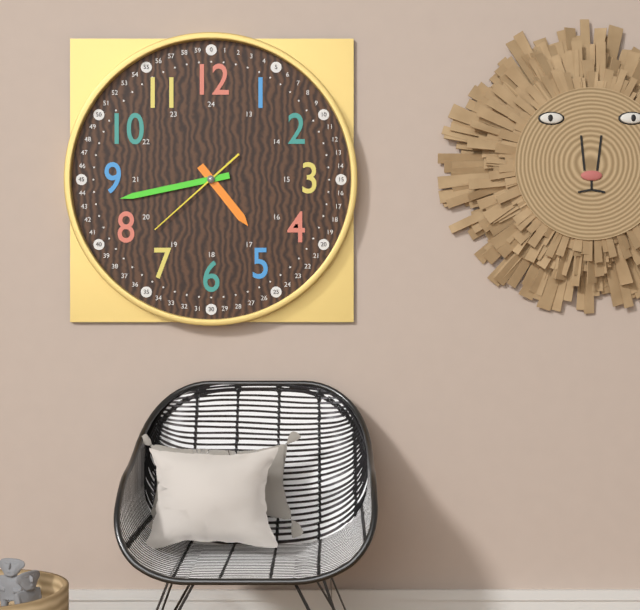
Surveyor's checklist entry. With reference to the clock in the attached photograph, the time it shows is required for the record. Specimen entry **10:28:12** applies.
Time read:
**4:43:38**
